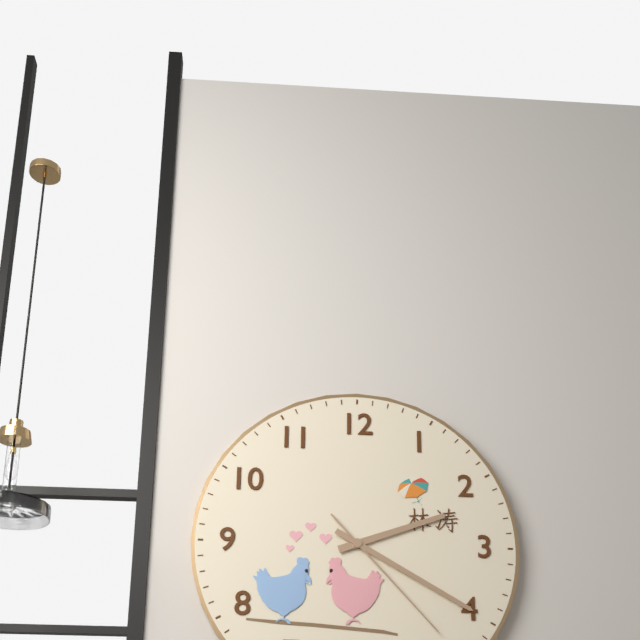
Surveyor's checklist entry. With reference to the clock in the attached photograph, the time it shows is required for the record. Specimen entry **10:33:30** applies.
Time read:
**2:20:23**
